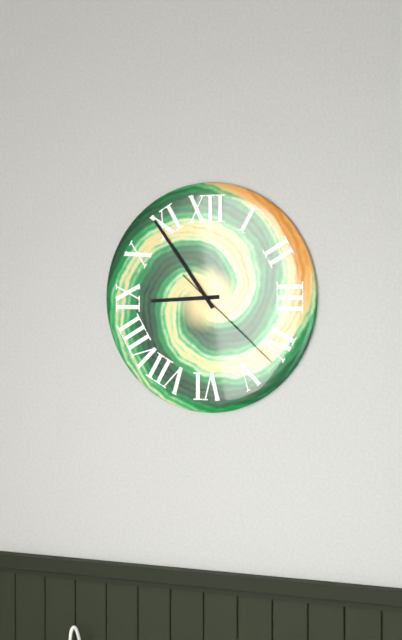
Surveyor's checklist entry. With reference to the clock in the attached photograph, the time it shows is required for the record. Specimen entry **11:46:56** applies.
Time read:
**8:54:22**
